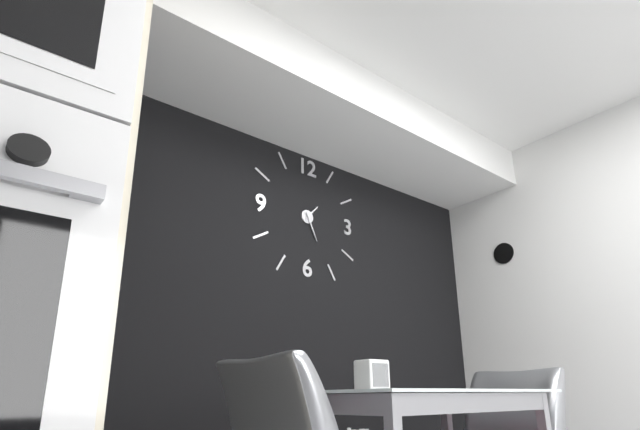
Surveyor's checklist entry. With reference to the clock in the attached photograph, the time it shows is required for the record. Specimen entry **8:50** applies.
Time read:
**1:26**
